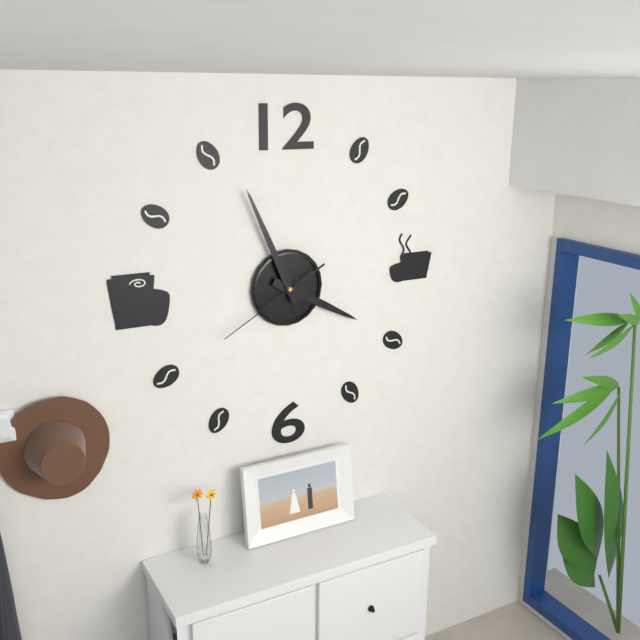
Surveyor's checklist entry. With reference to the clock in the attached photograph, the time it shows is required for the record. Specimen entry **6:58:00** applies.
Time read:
**3:56:40**
